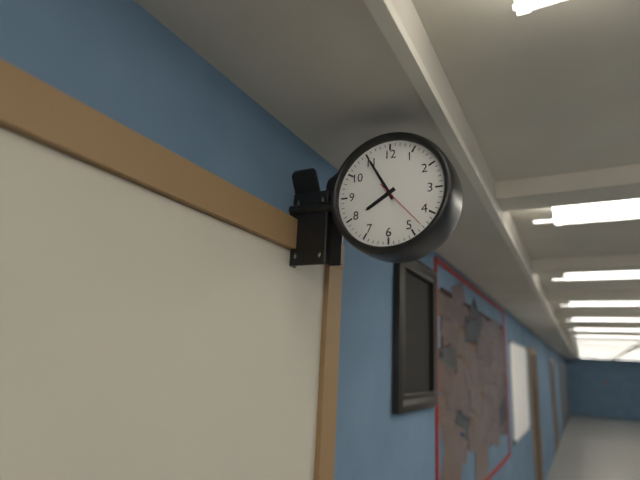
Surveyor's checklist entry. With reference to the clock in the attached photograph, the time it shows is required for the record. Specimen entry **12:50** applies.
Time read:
**7:55**
